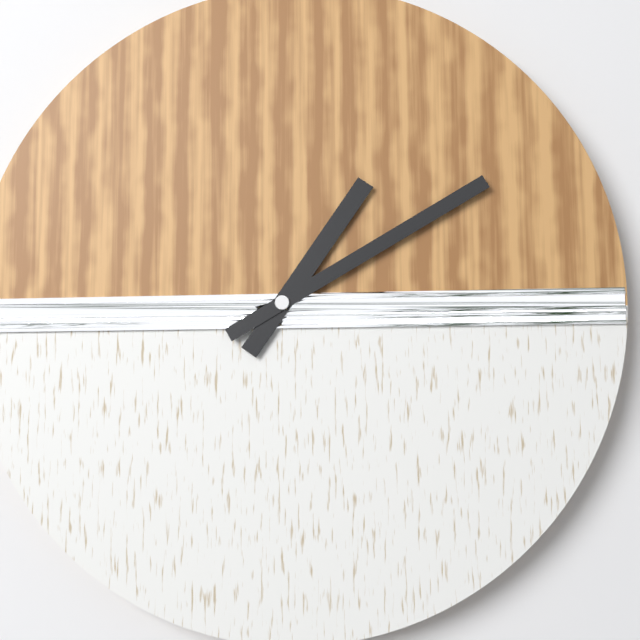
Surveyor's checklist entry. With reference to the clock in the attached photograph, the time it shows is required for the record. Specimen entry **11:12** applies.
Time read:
**1:10**
